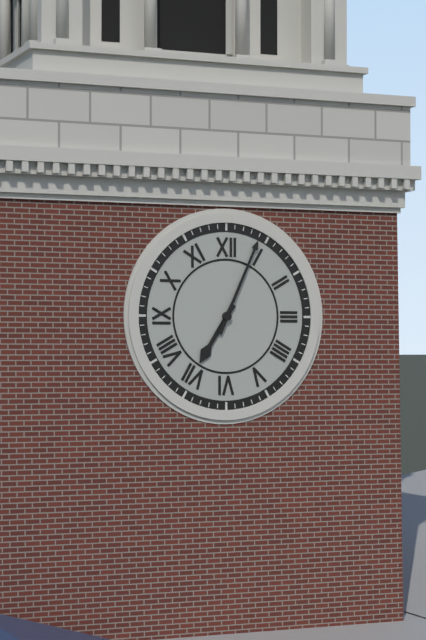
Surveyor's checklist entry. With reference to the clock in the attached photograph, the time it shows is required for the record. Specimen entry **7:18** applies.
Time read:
**7:04**
